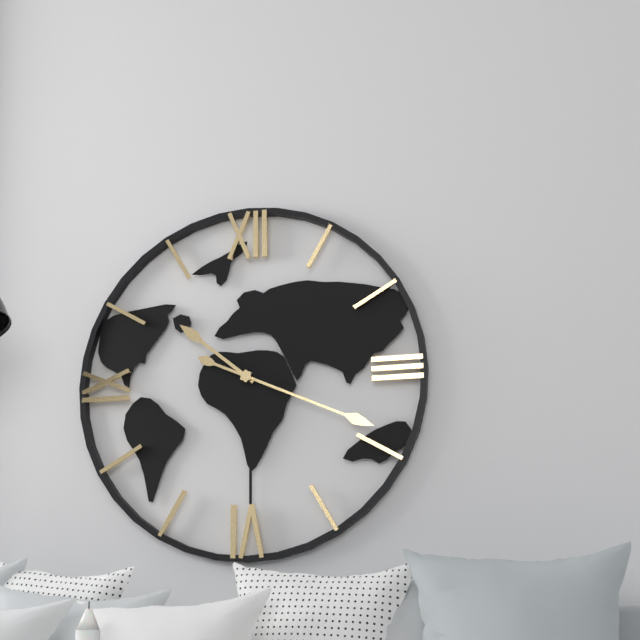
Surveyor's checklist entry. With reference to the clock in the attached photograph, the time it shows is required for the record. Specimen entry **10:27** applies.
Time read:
**10:19**
